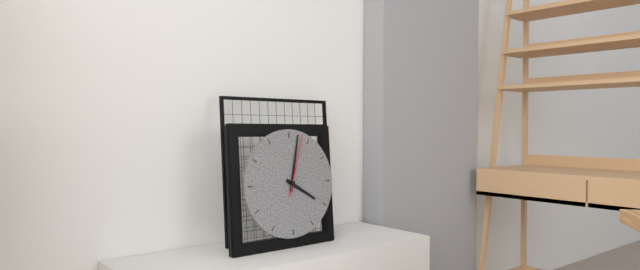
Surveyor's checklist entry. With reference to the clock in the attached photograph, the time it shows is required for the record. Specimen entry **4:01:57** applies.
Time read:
**4:02:03**
